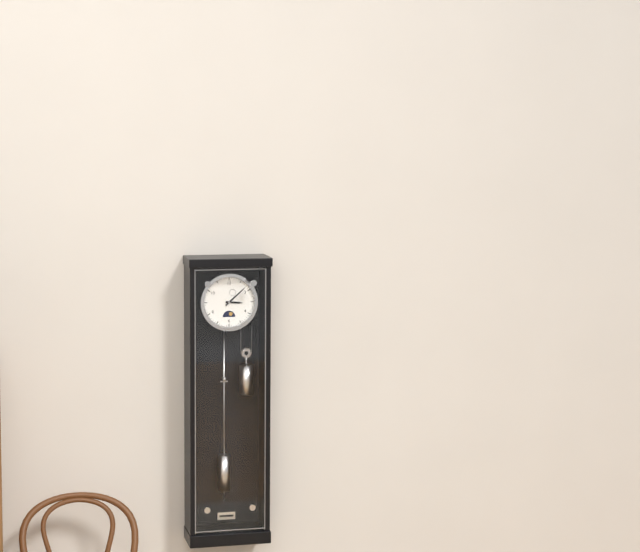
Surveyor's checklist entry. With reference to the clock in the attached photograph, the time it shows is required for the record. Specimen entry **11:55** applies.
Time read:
**3:08**
